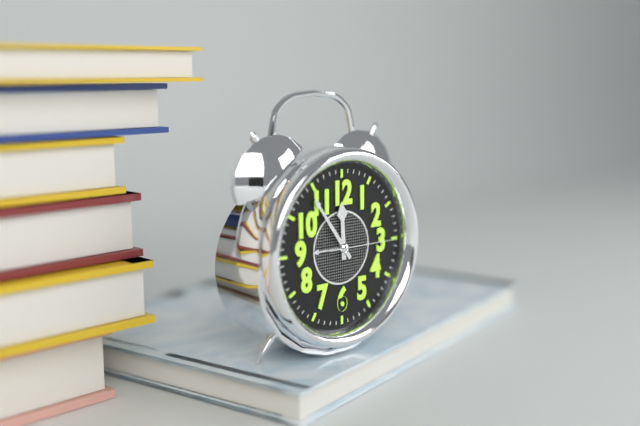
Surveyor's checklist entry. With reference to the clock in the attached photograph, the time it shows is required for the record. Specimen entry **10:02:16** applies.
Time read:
**11:54:15**
